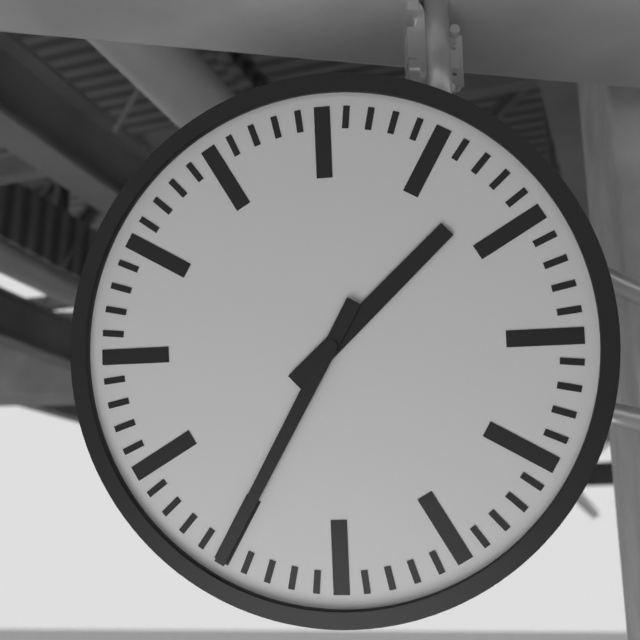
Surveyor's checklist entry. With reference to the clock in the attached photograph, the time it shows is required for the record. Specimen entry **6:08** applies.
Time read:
**1:35**
